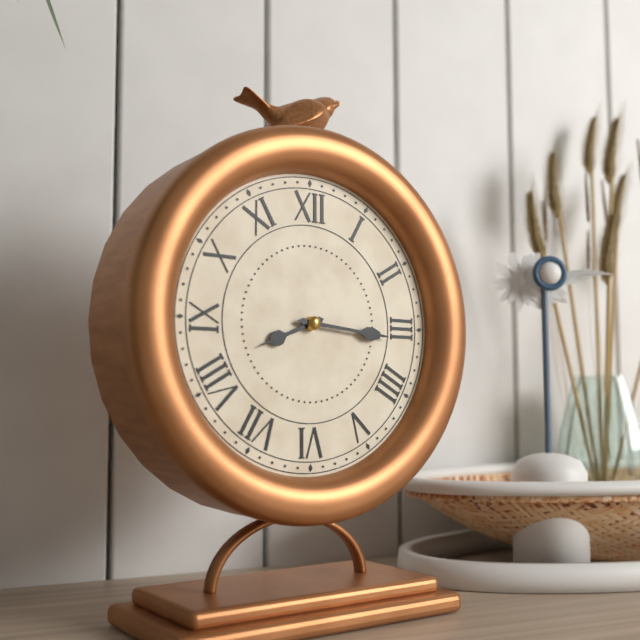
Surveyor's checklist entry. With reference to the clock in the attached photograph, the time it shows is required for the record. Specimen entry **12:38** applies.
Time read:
**8:16**
